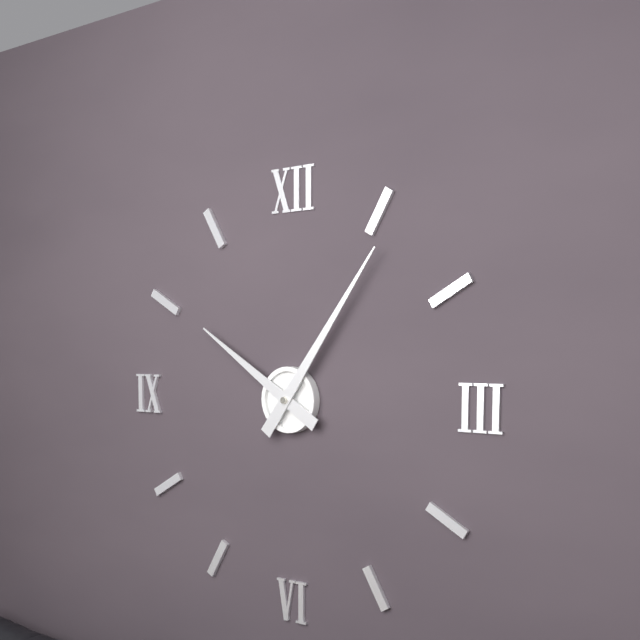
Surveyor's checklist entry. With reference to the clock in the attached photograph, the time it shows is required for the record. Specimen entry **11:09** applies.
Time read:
**10:06**
